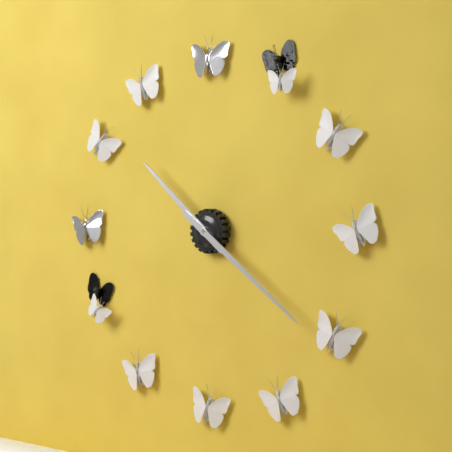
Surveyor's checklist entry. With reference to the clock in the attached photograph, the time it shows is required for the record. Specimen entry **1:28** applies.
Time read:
**10:21**
